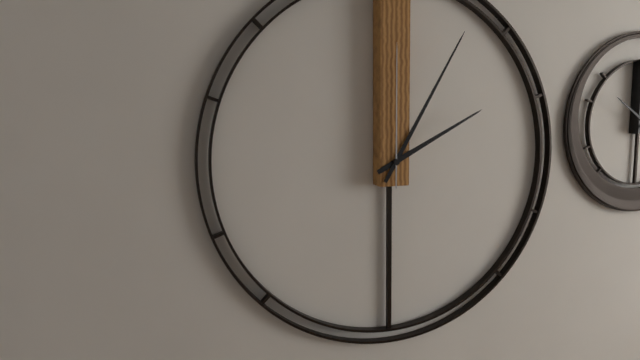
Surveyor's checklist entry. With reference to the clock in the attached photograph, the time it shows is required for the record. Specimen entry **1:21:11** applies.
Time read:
**2:05:00**
